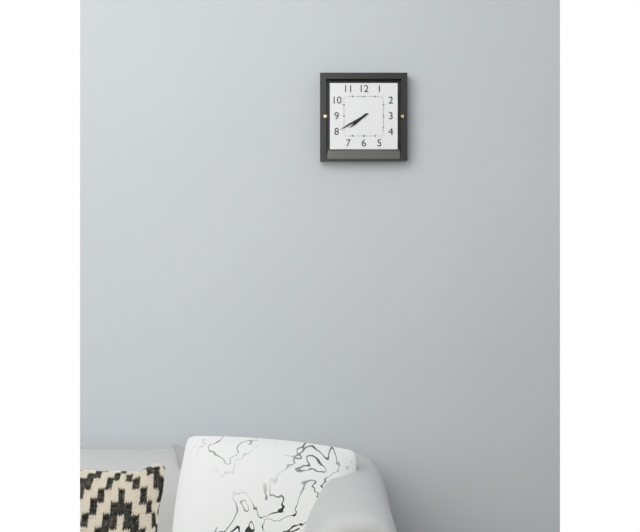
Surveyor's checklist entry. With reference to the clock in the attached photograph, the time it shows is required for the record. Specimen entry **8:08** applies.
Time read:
**7:40**
